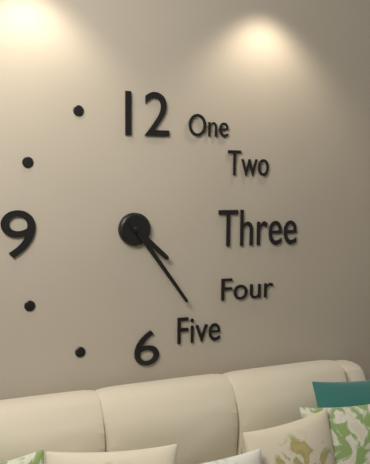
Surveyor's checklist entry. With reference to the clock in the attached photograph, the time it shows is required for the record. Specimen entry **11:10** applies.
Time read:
**4:24**
